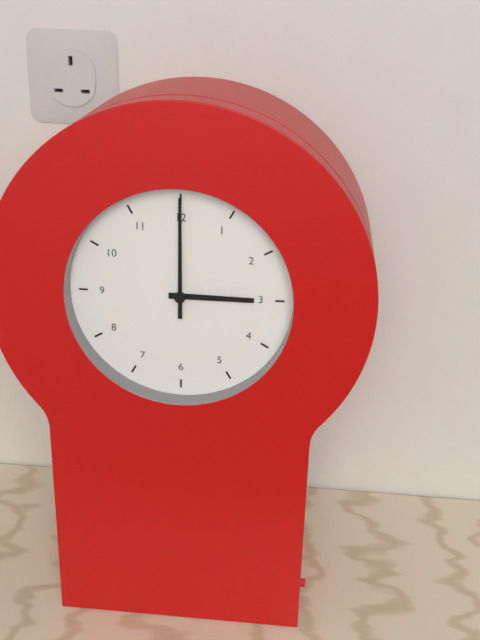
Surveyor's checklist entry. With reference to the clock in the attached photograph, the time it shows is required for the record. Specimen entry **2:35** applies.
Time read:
**3:00**
